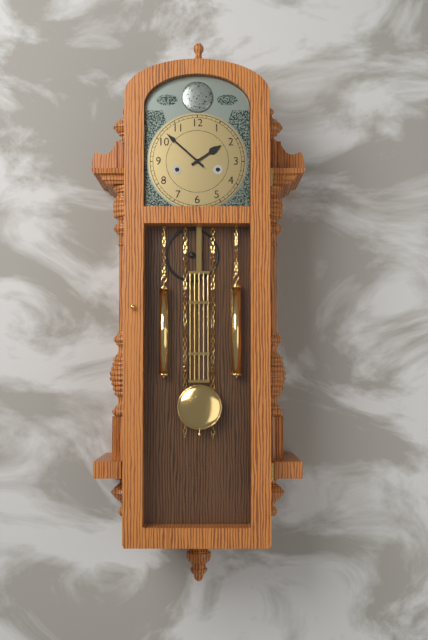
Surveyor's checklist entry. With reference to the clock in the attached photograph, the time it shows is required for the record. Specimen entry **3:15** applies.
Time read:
**1:52**
